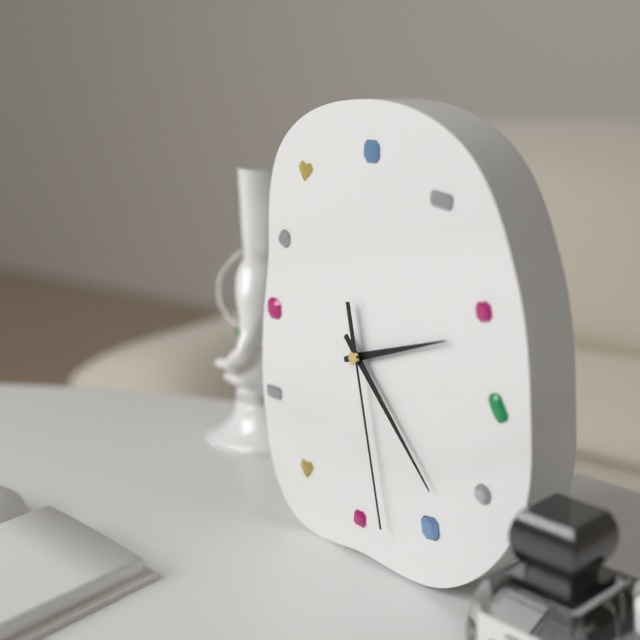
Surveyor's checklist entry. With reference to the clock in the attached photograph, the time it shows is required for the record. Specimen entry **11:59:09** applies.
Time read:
**2:23:28**
